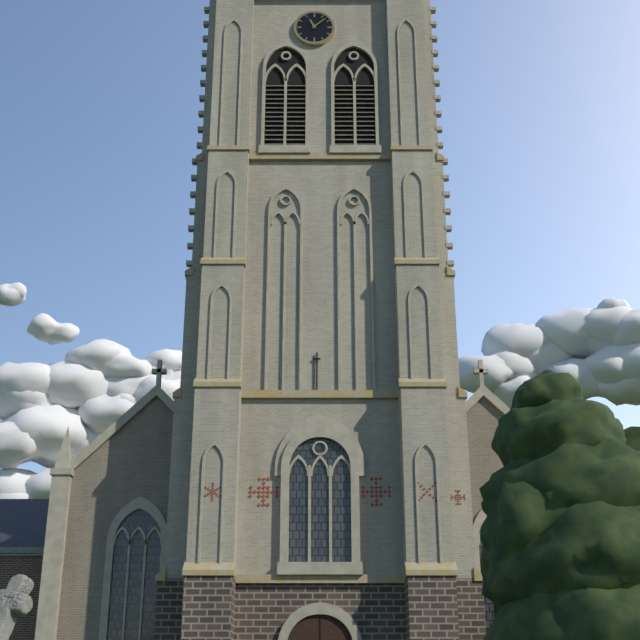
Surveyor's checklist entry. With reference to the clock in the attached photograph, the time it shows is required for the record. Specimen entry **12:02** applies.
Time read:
**11:08**
